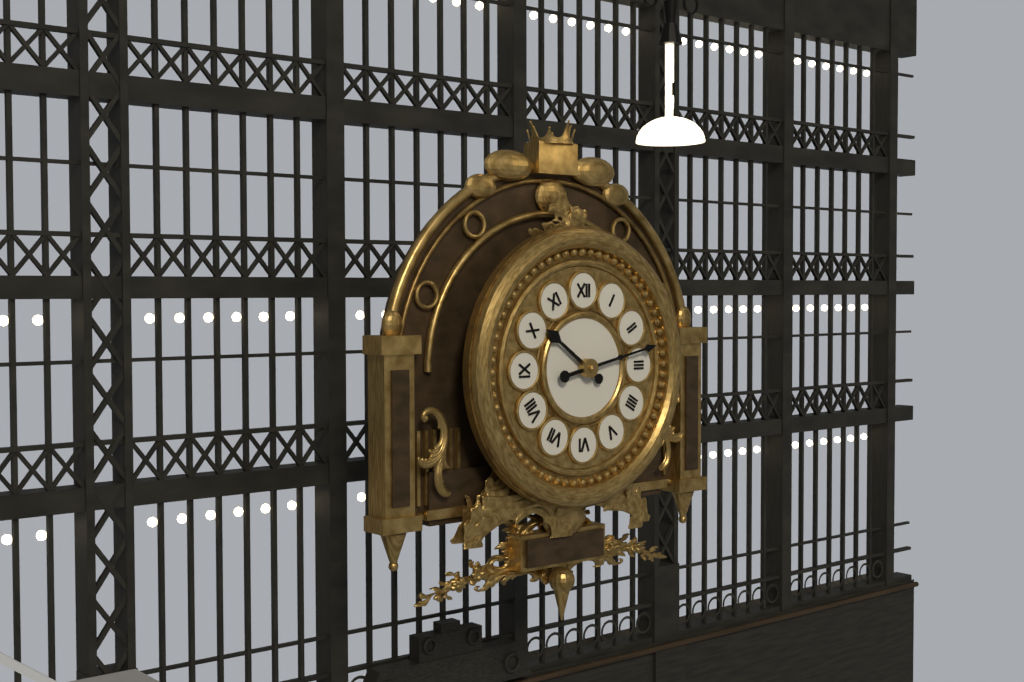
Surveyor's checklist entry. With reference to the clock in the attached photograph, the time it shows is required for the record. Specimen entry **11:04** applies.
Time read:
**10:13**
